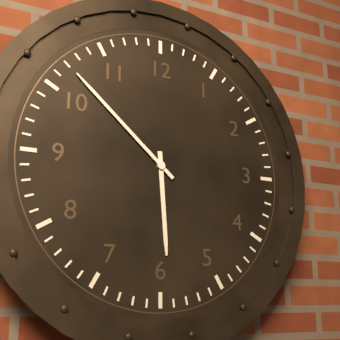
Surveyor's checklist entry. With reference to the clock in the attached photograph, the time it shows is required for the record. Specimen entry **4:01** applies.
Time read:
**5:52**
